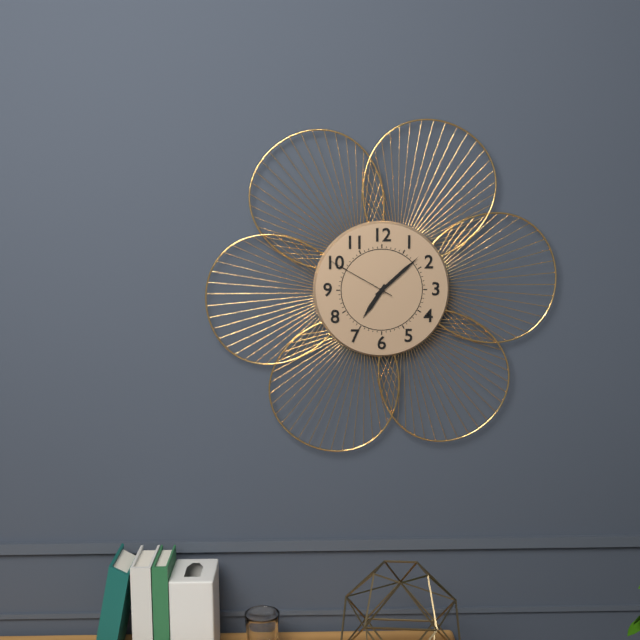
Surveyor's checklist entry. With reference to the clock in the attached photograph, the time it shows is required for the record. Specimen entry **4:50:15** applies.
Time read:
**7:08:50**
